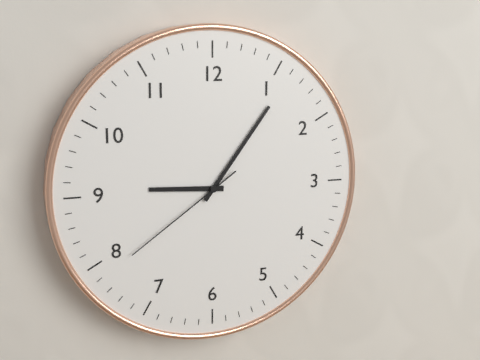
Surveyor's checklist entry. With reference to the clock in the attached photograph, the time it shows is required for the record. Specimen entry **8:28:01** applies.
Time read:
**9:06:39**
